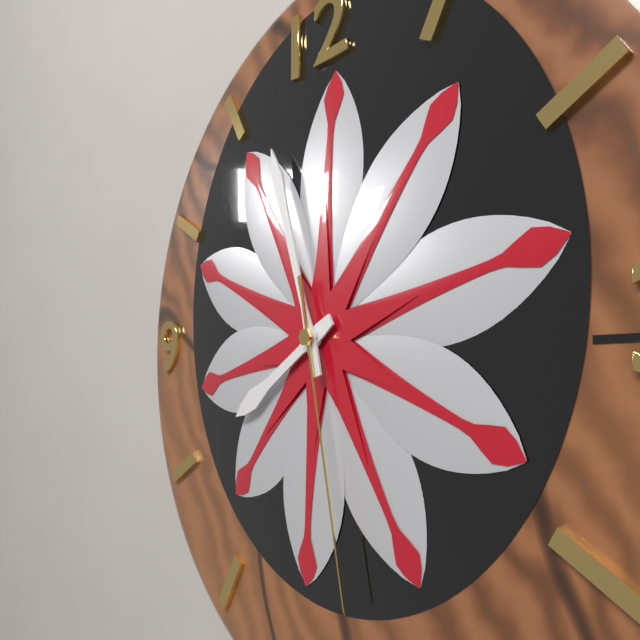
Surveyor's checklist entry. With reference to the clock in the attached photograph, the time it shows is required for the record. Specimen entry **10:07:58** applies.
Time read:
**7:57:28**
